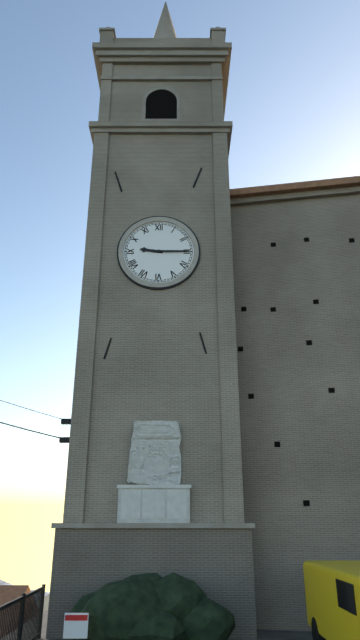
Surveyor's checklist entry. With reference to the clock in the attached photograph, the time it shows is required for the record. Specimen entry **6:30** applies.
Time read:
**9:15**
